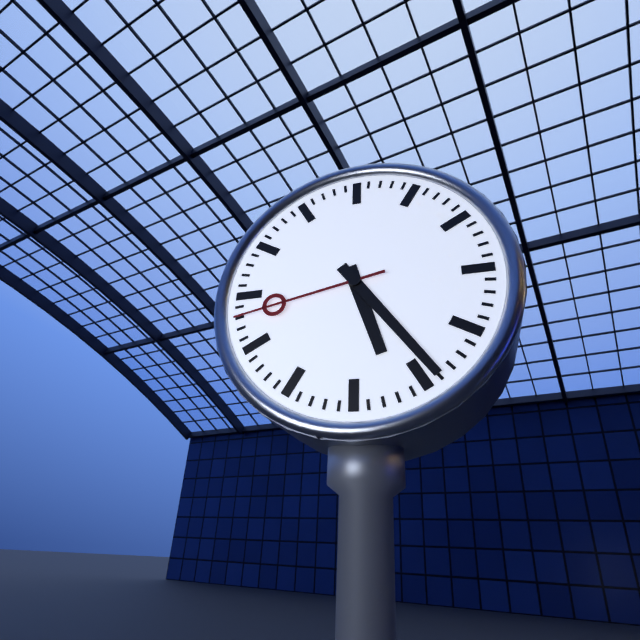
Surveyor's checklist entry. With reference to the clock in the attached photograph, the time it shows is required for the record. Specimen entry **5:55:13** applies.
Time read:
**5:24:43**
